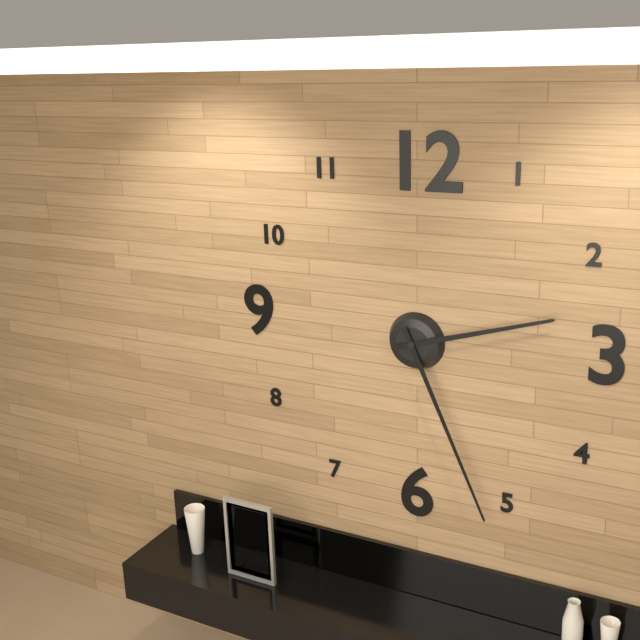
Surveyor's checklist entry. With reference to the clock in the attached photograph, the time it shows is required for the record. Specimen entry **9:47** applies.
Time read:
**2:26**
